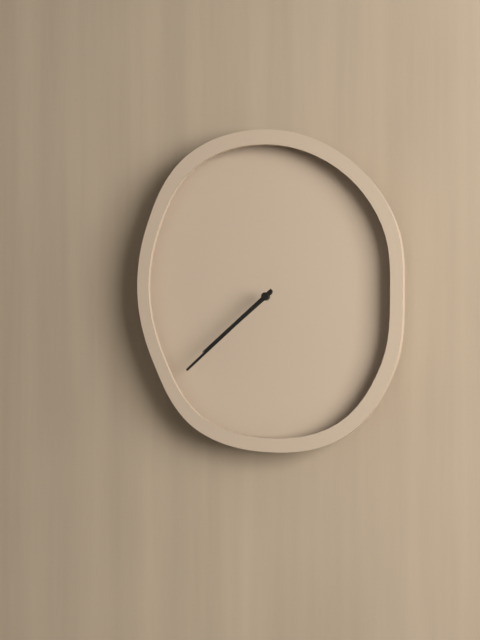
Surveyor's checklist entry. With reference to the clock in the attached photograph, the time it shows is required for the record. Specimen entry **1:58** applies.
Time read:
**7:38**
